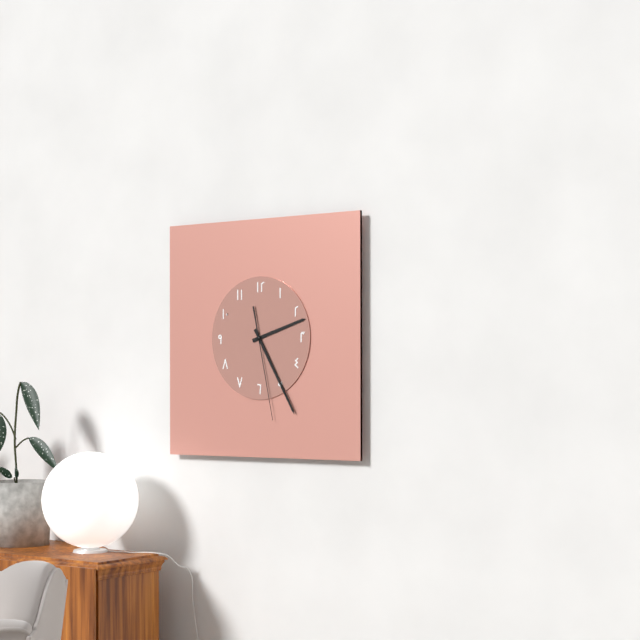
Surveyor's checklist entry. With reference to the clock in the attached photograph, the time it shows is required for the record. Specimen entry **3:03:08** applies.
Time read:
**2:25:28**
